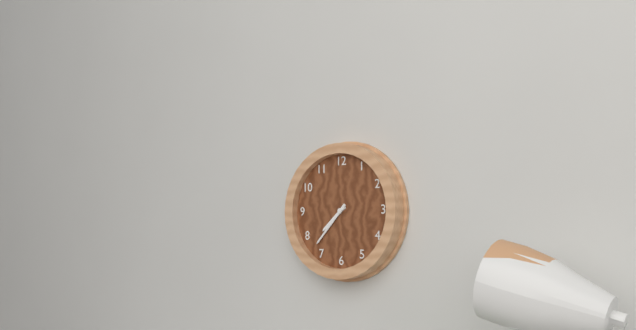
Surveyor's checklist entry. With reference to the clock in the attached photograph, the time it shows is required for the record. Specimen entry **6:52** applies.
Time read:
**7:37**
